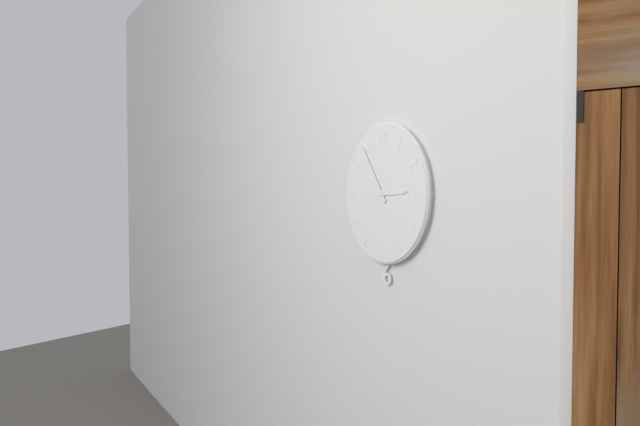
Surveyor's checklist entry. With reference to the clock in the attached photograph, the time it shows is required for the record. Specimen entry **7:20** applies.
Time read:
**2:54**
